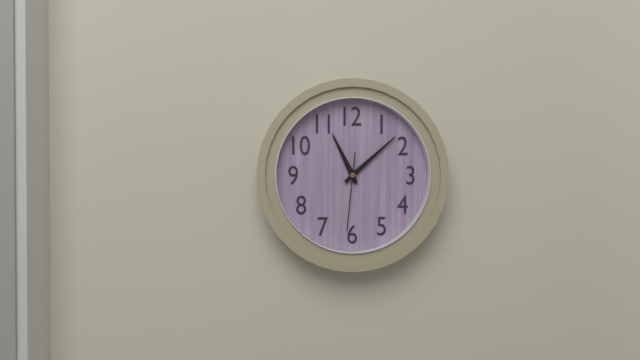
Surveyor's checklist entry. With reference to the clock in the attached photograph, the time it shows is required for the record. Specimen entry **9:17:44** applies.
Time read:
**11:08:31**
